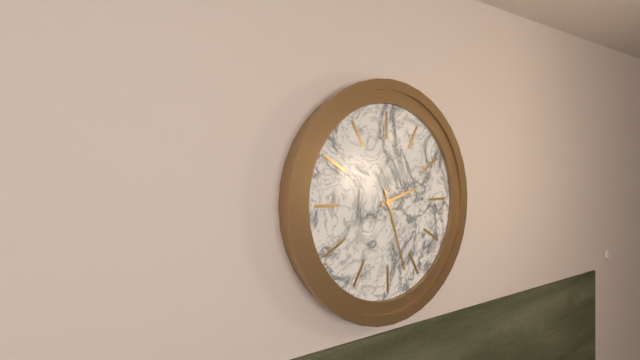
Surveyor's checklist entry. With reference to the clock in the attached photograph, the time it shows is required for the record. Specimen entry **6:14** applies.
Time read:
**2:27**
